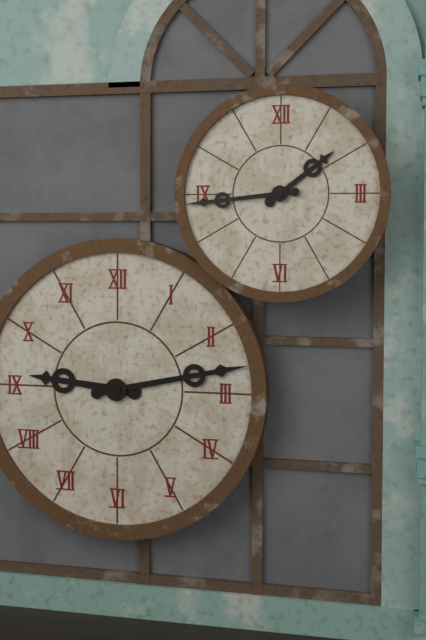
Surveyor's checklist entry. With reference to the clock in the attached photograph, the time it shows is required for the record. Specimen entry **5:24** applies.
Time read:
**1:44**
